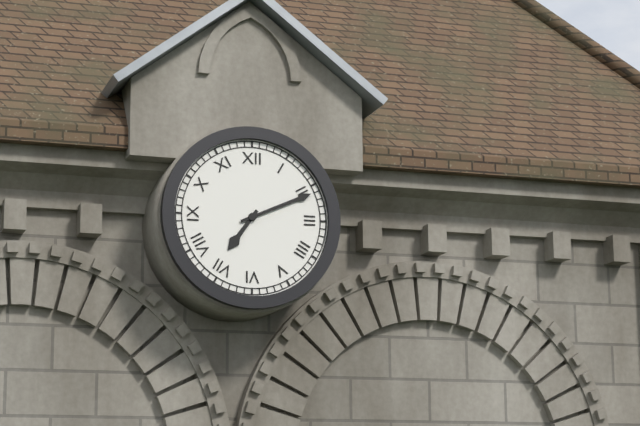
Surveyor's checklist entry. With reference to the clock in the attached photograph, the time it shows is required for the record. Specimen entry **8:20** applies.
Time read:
**7:11**
